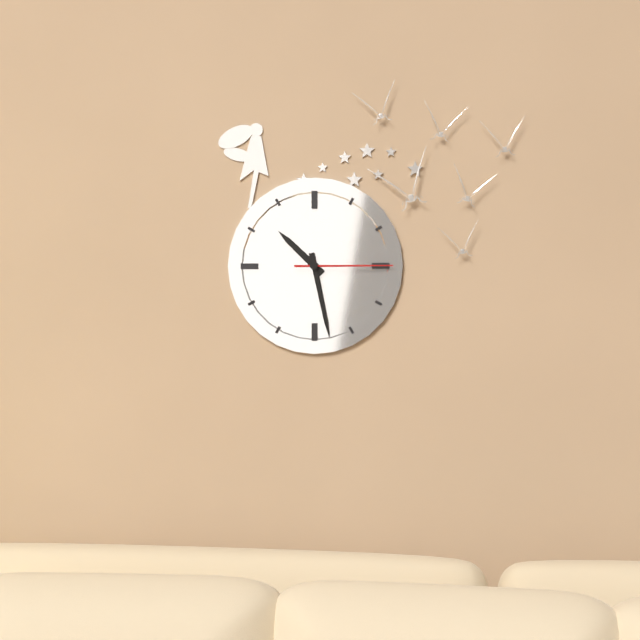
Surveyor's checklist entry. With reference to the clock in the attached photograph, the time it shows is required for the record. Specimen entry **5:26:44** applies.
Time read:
**10:28:15**
